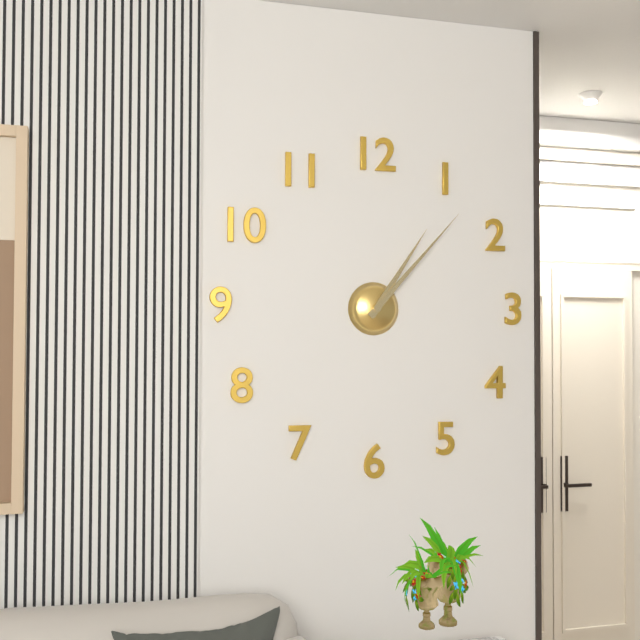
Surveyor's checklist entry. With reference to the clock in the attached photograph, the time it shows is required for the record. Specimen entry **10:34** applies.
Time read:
**1:07**
